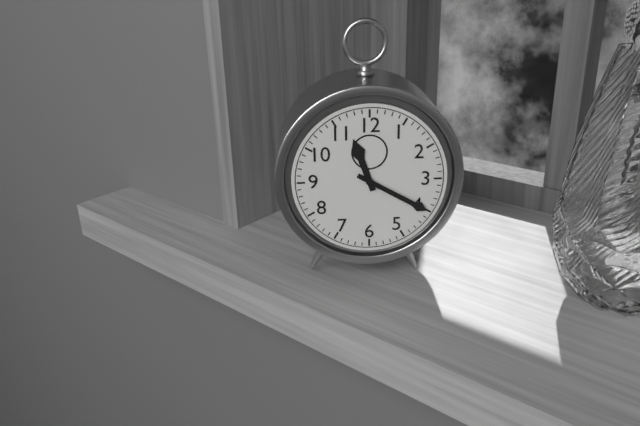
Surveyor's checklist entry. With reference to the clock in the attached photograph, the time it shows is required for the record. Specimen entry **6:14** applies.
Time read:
**11:20**
